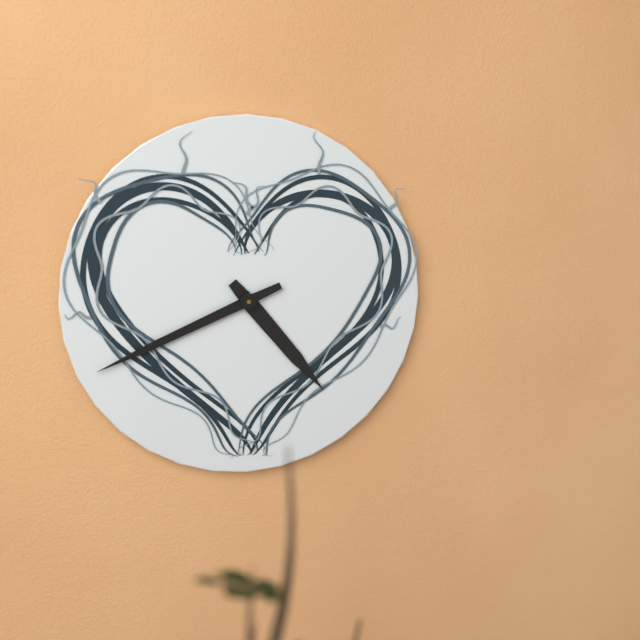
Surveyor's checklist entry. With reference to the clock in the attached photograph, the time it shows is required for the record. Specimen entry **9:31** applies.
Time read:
**4:41**
